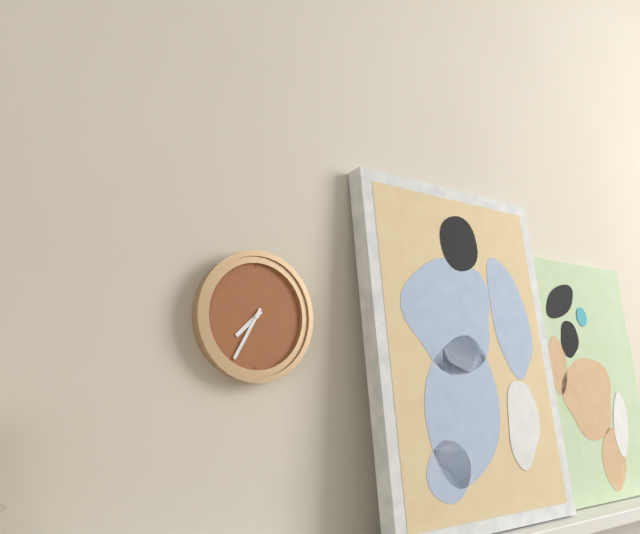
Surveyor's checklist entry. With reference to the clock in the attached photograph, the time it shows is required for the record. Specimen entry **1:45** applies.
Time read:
**7:35**
